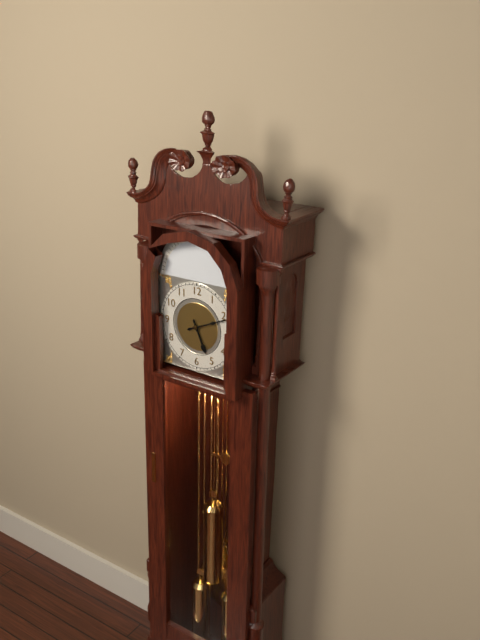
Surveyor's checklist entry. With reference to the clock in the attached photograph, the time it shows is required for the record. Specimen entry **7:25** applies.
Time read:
**5:11**
